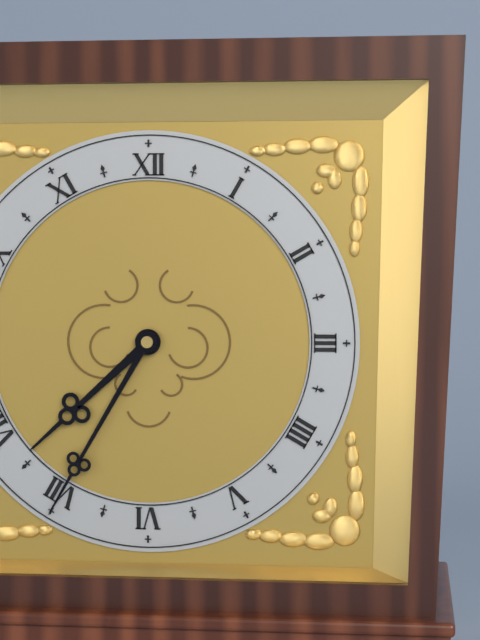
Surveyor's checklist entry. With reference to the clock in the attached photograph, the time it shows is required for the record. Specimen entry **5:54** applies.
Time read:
**7:35**
